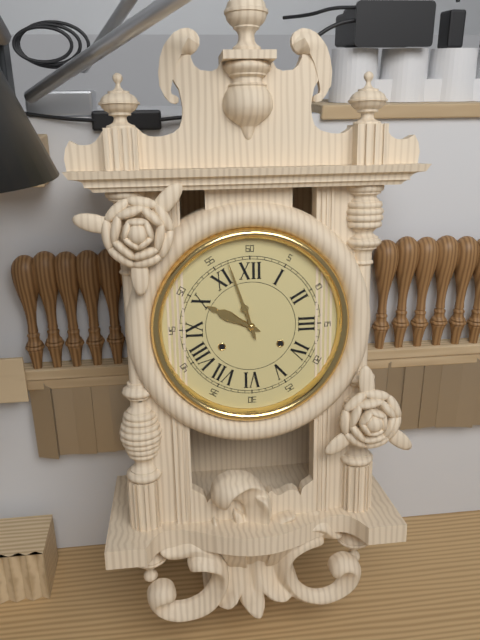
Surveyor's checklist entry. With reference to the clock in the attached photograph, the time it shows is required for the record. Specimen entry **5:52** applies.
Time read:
**9:57**
